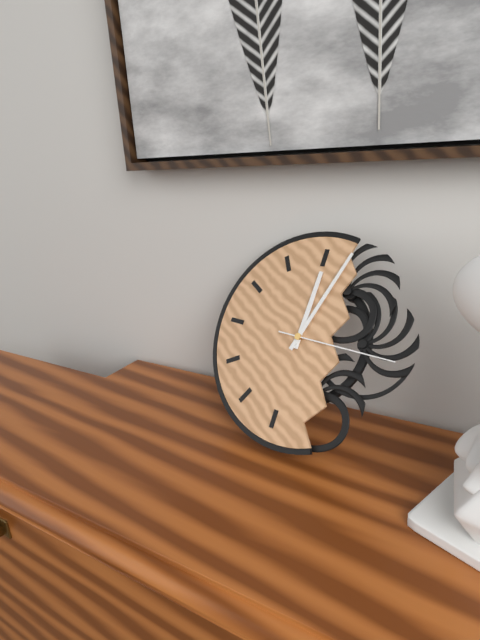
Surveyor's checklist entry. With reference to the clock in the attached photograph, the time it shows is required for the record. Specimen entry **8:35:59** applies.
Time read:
**12:03:15**
